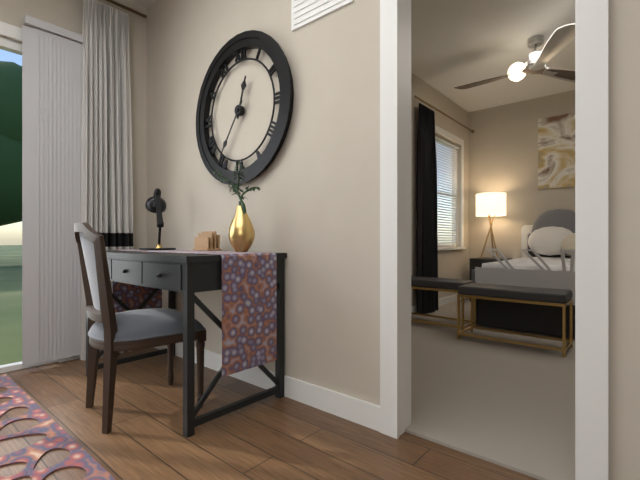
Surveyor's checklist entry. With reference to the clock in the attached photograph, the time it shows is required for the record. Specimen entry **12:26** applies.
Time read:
**12:36**
